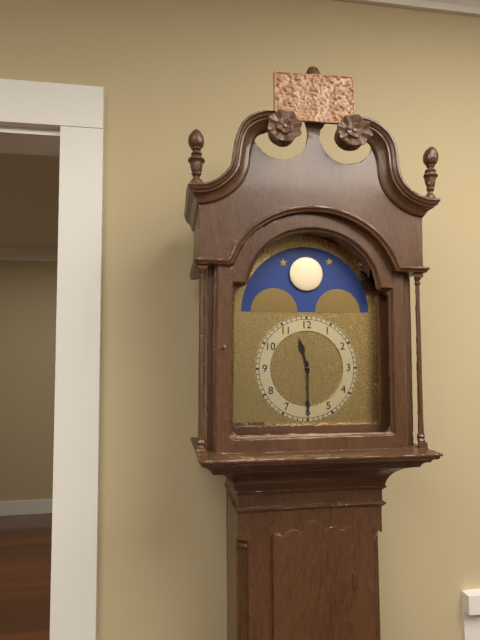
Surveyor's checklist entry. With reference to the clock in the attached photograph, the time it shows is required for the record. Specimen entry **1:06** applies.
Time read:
**11:30**
